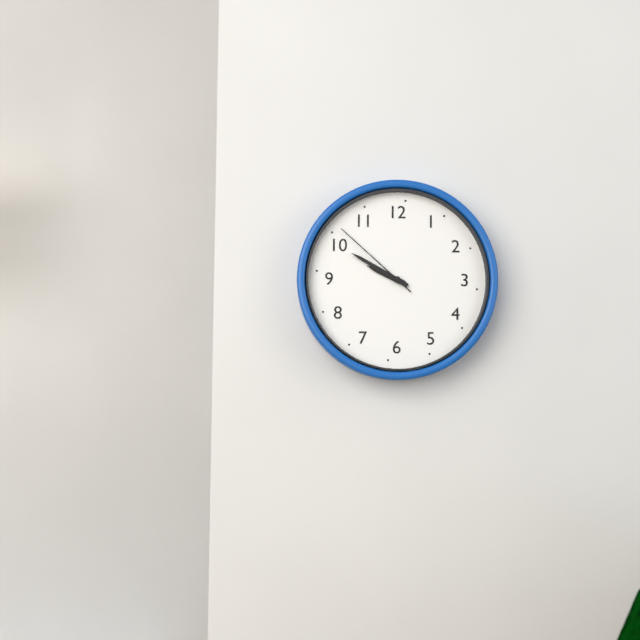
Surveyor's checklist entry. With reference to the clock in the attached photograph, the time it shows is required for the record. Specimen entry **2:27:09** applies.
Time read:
**9:50:52**
